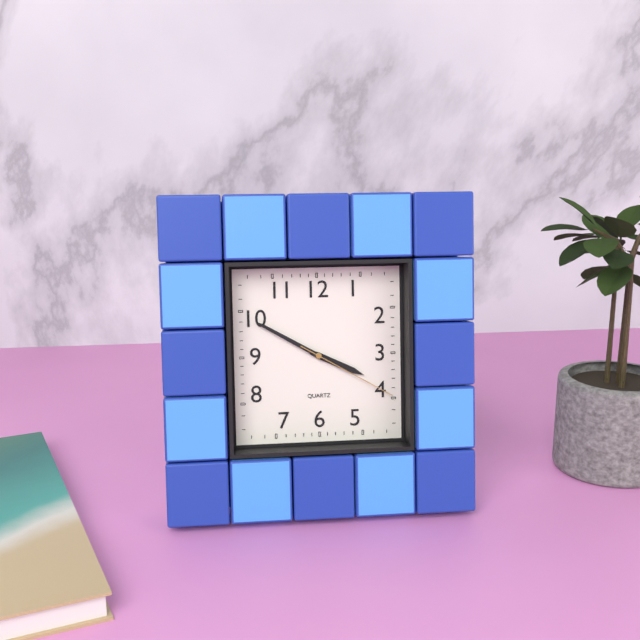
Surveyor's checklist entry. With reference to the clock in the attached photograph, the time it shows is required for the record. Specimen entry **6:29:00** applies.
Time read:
**3:50:20**
